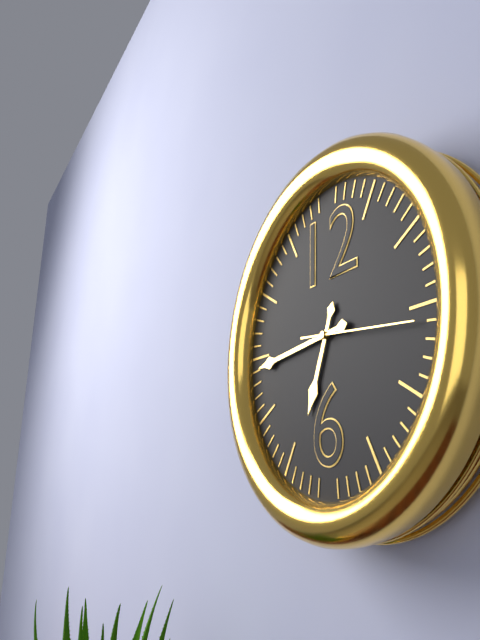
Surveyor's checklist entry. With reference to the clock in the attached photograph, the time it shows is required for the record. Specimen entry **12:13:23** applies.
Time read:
**6:44:16**
